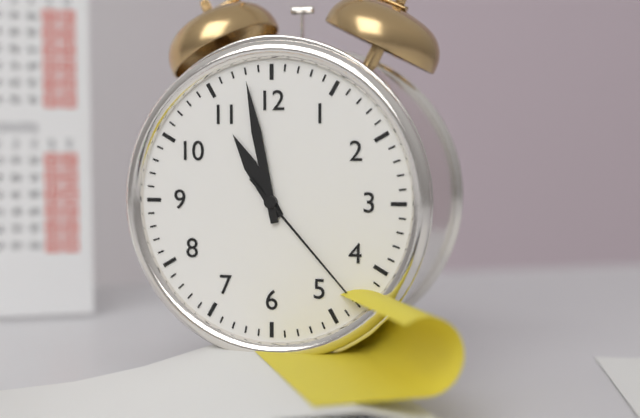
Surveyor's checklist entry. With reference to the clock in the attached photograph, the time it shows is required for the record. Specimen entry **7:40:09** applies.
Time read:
**10:58:23**
